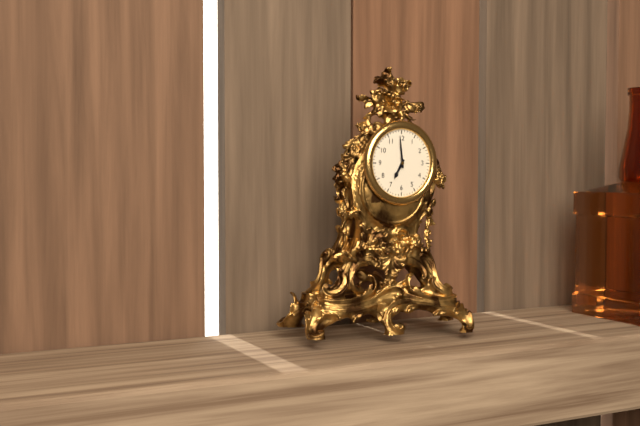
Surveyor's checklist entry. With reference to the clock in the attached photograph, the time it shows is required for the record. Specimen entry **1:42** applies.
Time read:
**6:59**
